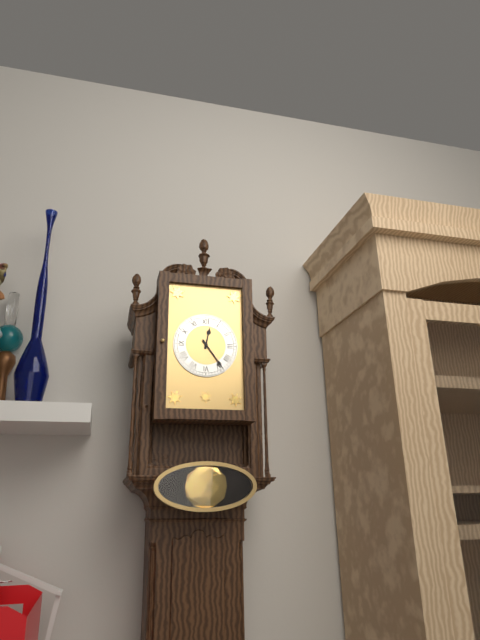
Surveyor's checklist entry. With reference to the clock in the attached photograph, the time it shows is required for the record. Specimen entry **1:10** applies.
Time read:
**12:24**
